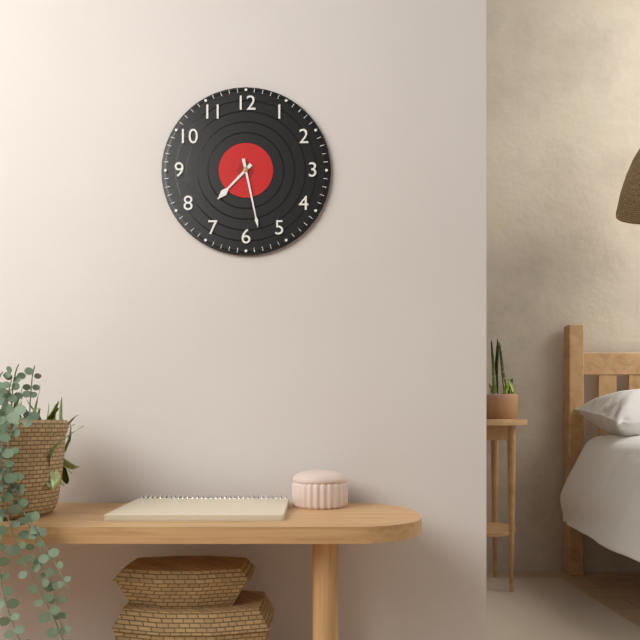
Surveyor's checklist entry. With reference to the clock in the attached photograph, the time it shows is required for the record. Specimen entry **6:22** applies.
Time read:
**7:28**
